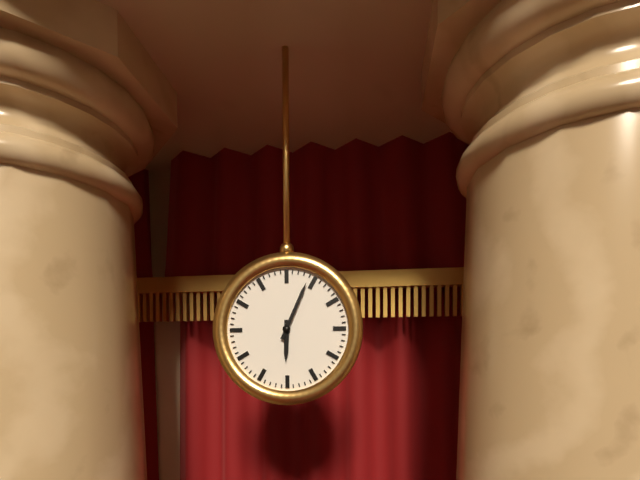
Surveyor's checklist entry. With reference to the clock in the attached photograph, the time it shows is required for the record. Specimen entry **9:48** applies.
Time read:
**6:04**
